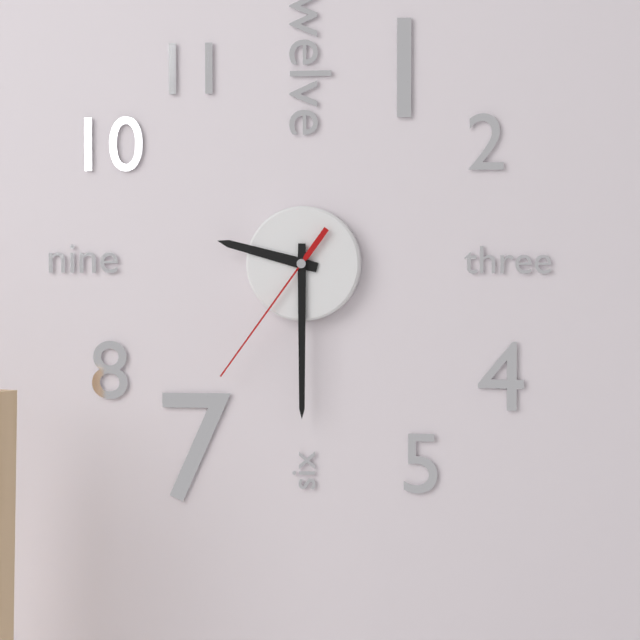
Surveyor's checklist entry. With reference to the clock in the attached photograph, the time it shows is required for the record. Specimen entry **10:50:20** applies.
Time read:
**9:30:36**
